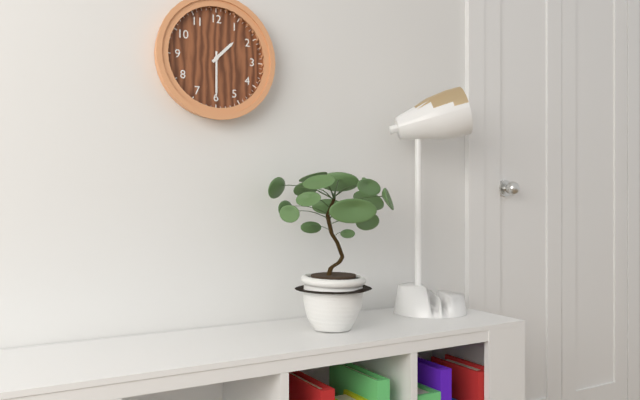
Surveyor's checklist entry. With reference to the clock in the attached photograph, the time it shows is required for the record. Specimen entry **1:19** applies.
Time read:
**1:30**
